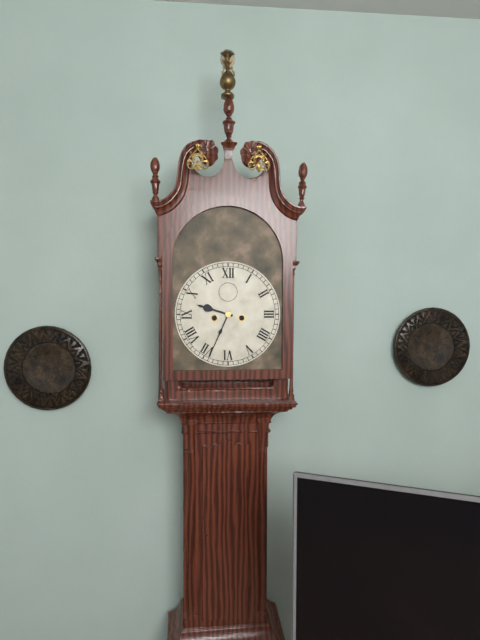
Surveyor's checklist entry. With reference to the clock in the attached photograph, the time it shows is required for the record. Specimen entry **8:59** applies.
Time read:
**9:34**
